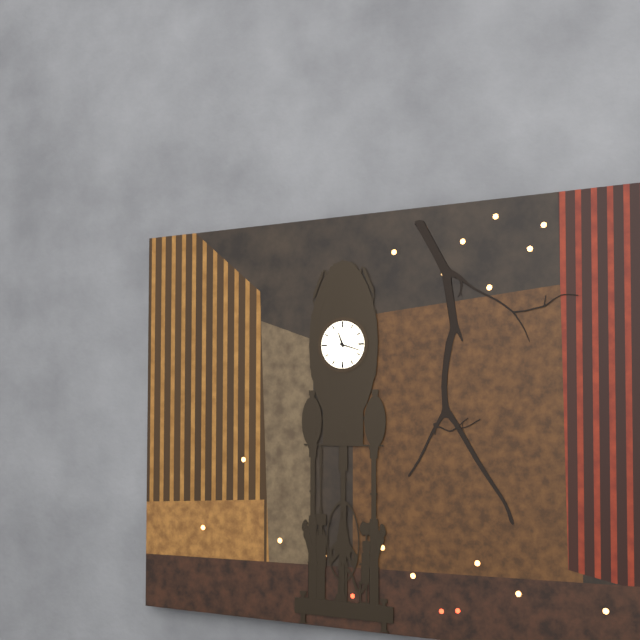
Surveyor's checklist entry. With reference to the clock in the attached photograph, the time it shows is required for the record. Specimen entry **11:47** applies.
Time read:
**11:18**
